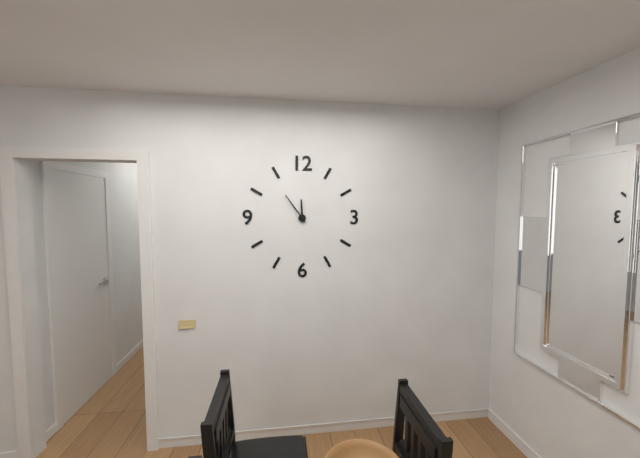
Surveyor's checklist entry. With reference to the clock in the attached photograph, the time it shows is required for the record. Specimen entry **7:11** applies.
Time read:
**11:54**
